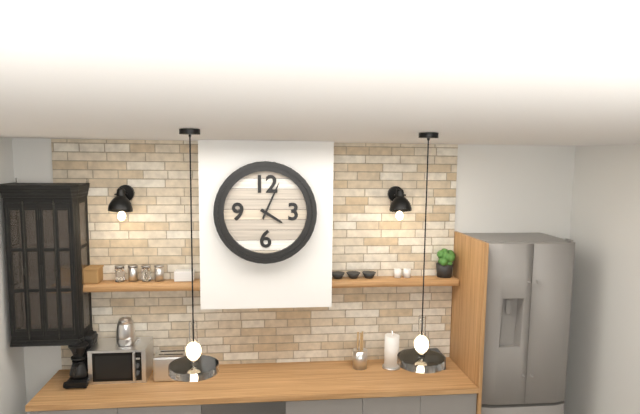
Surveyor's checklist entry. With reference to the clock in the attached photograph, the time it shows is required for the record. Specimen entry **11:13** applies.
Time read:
**4:04**
